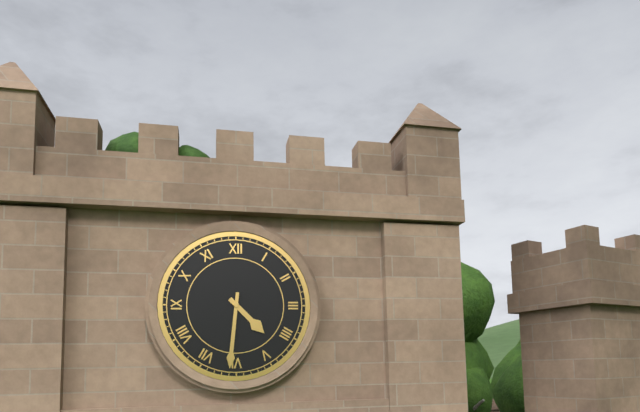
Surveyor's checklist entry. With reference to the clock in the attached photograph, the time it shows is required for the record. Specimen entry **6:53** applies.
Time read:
**4:31**
